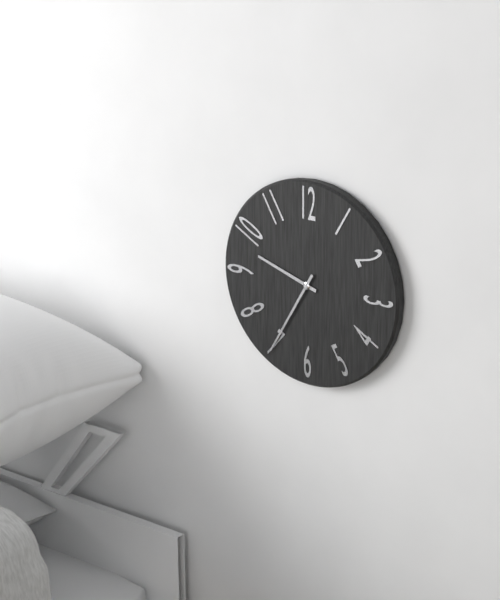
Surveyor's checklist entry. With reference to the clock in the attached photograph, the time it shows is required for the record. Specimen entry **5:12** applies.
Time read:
**9:35**
